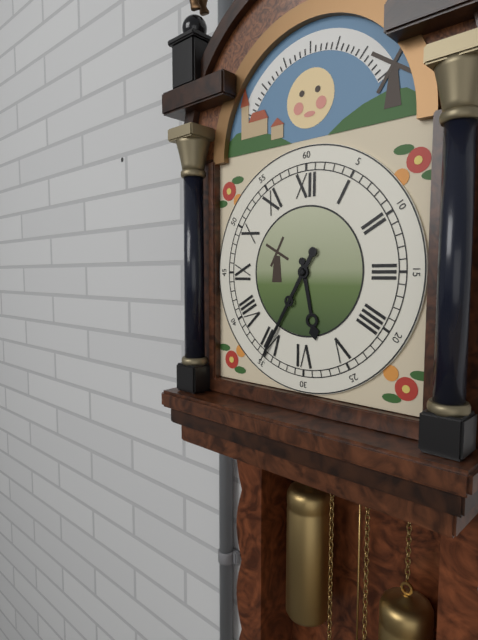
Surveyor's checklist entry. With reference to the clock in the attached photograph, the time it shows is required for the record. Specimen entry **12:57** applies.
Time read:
**5:35**
